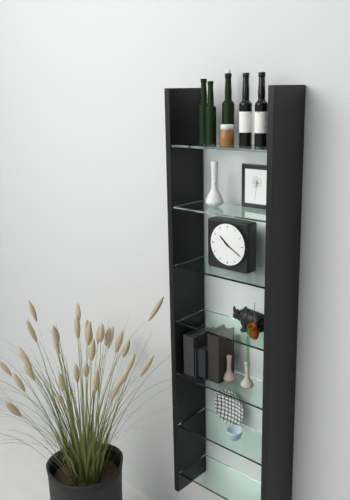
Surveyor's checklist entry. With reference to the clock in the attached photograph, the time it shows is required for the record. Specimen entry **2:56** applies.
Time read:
**10:20**
